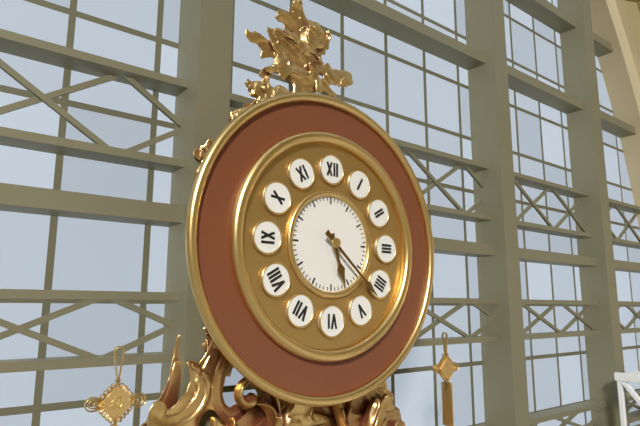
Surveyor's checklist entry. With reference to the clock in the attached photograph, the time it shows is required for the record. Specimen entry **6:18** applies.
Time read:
**5:22**
